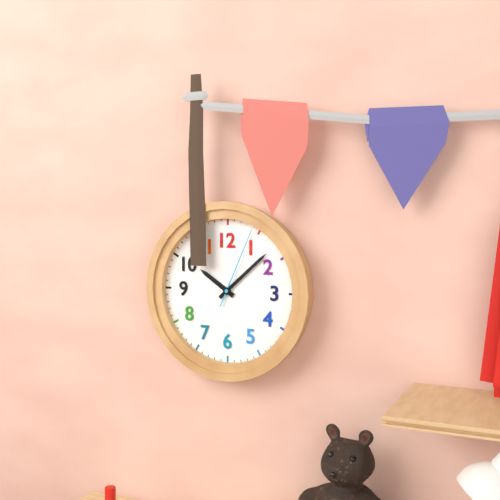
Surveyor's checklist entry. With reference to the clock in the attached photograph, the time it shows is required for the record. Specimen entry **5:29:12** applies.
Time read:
**10:08:04**
